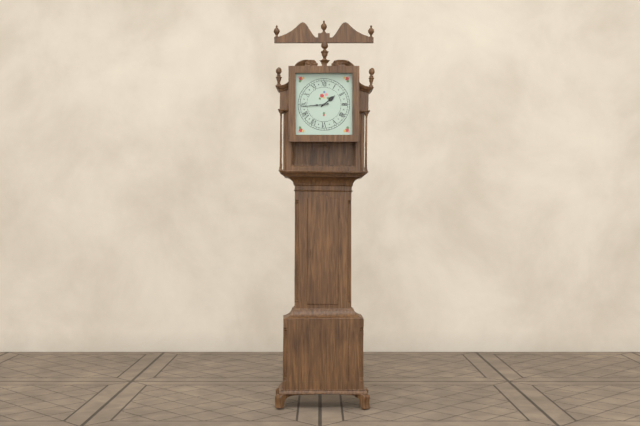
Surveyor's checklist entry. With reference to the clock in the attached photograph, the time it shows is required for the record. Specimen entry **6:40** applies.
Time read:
**1:44**
